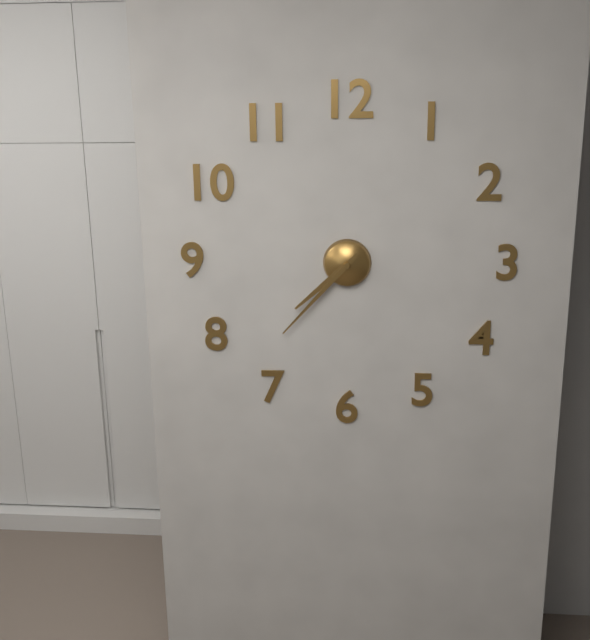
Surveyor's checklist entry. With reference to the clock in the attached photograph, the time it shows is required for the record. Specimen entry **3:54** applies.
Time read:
**7:37**
